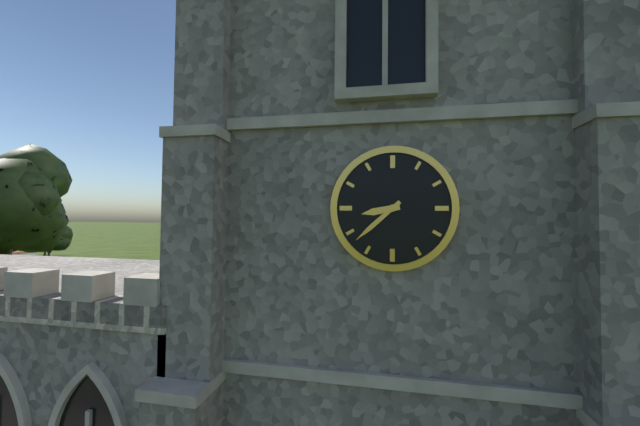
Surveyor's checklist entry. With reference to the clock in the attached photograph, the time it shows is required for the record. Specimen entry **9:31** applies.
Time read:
**8:38**
